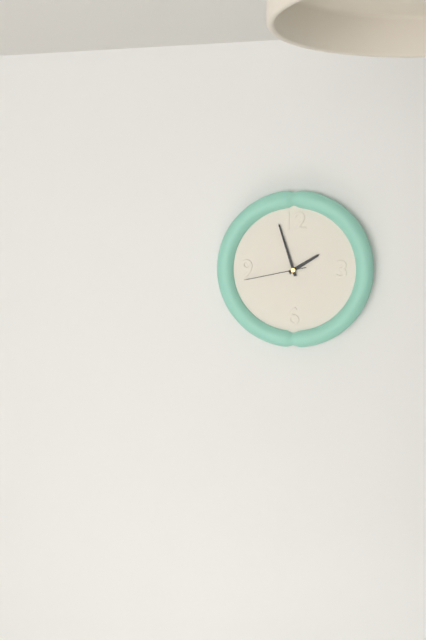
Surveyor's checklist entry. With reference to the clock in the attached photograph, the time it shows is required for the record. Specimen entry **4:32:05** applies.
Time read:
**1:57:43**
